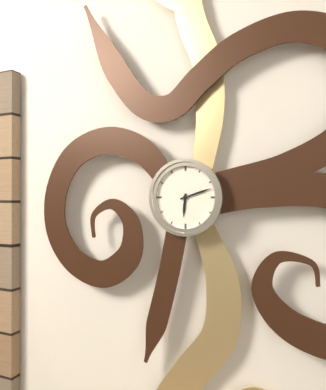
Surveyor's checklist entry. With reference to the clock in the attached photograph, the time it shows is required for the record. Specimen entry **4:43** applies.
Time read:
**6:12**
